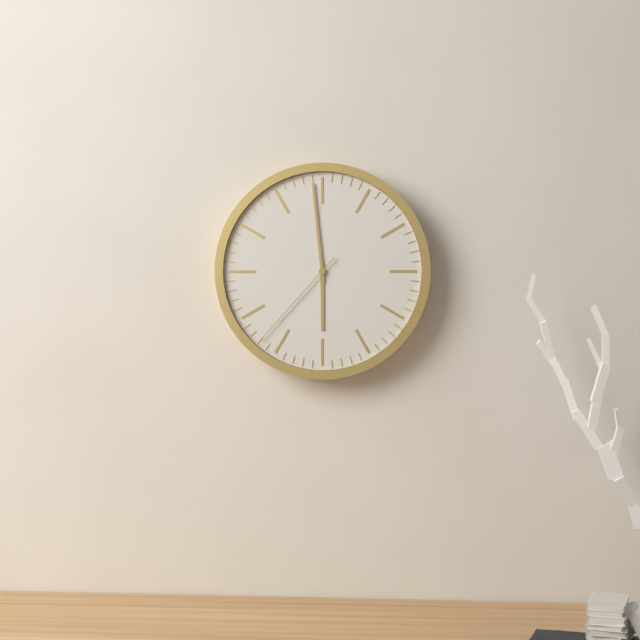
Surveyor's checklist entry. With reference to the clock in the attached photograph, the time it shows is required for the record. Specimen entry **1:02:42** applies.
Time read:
**5:59:37**
